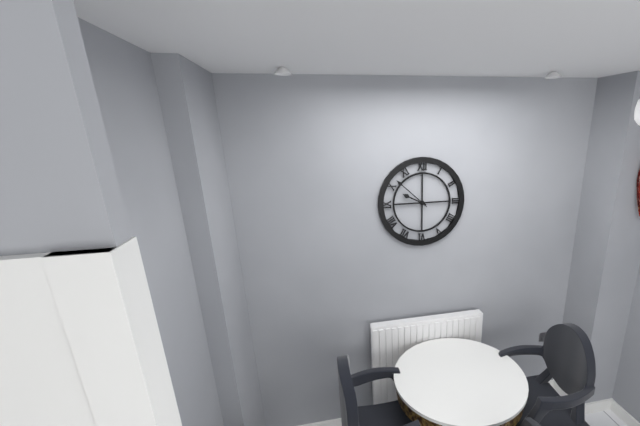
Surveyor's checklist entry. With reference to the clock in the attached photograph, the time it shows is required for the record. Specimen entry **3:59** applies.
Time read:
**9:52**
